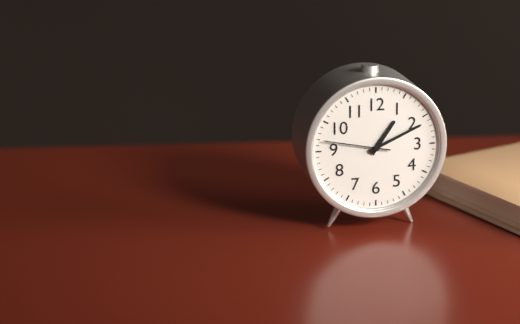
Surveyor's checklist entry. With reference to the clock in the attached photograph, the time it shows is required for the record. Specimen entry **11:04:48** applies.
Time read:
**1:11:47**
